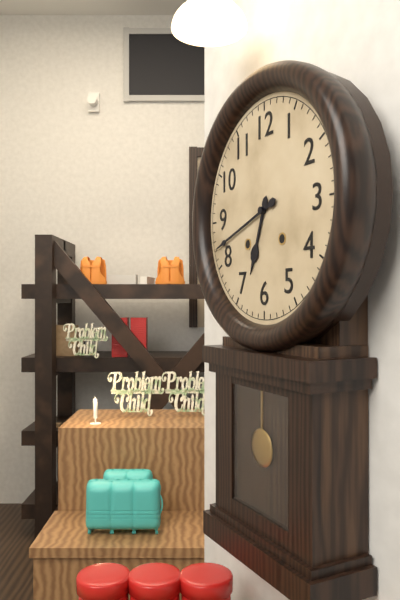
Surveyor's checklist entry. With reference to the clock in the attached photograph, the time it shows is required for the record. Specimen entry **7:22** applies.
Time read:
**6:42**
